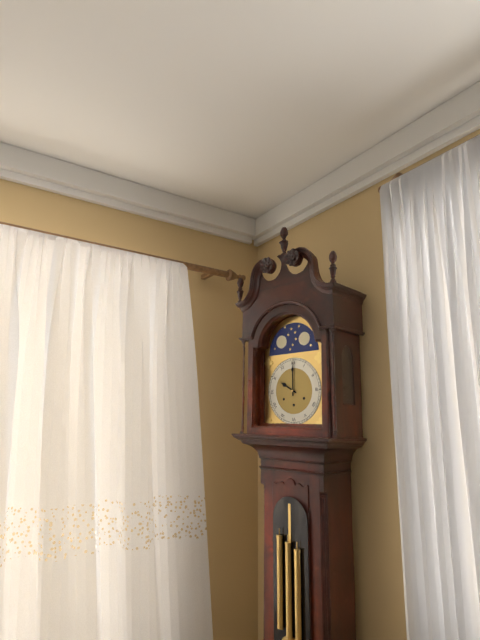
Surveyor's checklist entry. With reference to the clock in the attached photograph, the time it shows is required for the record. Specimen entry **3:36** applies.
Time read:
**10:00**
